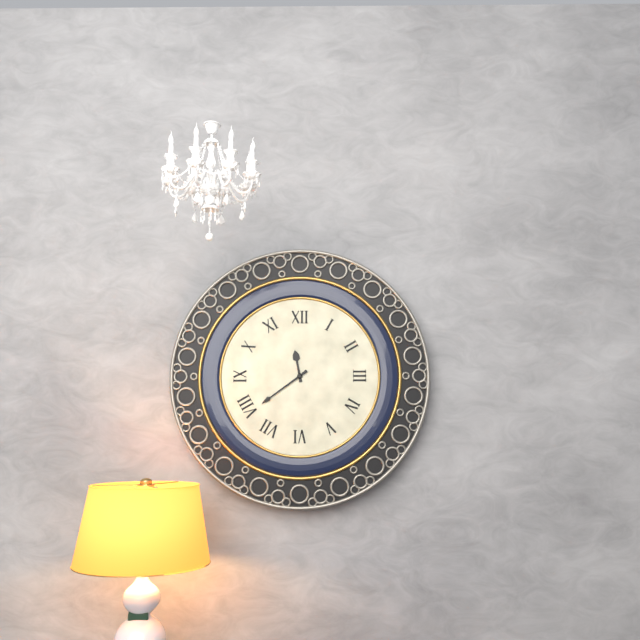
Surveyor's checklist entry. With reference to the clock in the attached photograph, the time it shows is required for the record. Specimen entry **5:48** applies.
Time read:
**11:39**
